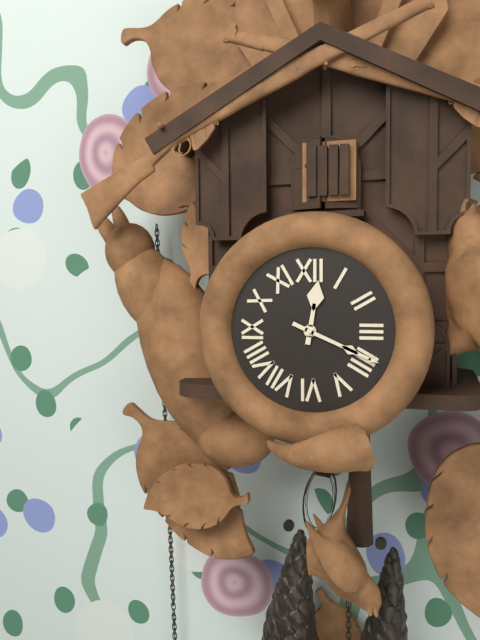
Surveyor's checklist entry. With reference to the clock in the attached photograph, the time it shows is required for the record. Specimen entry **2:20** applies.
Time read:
**12:19**
